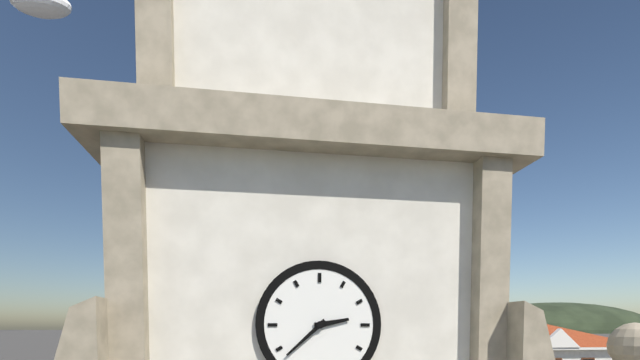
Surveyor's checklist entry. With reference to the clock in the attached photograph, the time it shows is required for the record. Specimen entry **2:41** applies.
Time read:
**2:38**
